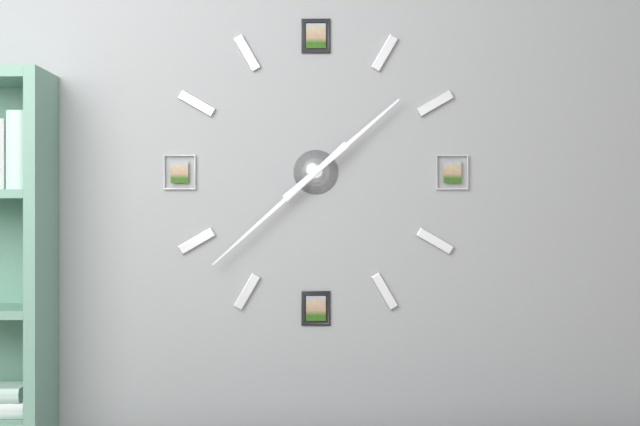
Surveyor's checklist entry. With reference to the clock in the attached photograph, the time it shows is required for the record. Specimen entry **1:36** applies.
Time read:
**1:38**
